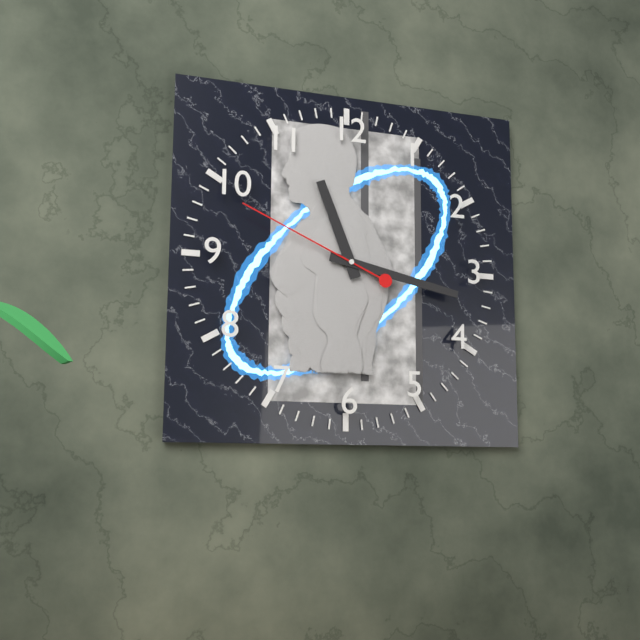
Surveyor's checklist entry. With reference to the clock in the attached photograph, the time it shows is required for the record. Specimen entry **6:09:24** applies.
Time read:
**11:17:49**
